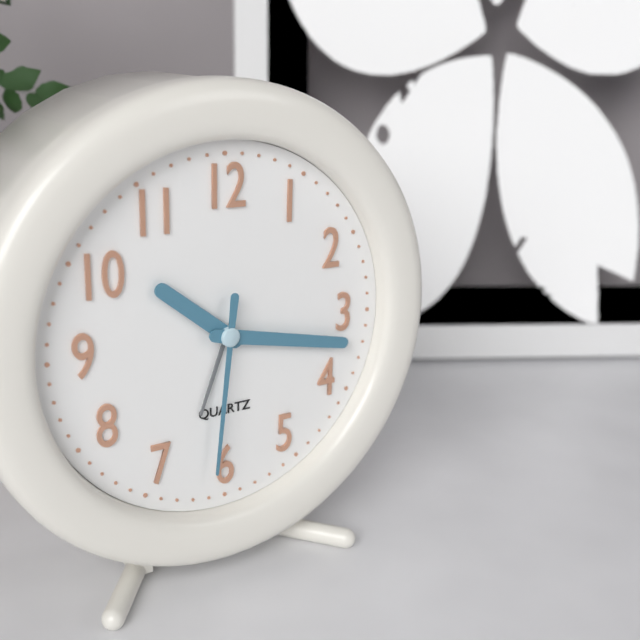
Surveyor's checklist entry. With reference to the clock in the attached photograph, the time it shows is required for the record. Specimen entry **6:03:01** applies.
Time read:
**10:17:31**
